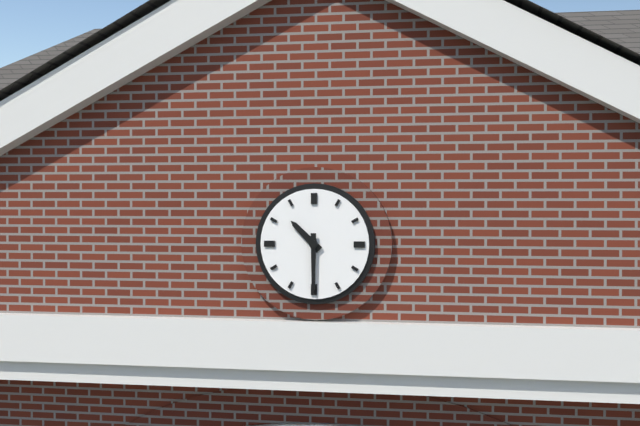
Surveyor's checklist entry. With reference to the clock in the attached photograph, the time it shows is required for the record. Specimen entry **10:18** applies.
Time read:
**10:30**
